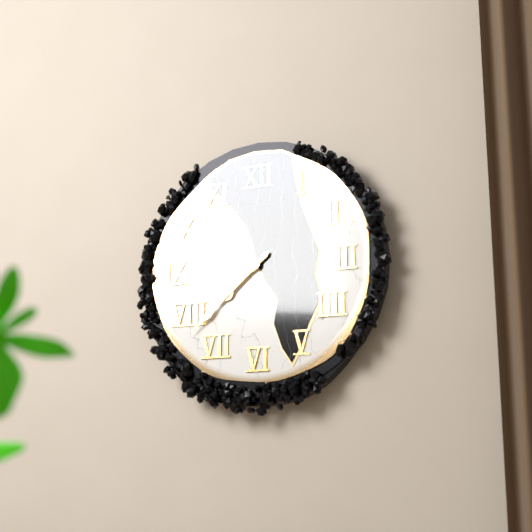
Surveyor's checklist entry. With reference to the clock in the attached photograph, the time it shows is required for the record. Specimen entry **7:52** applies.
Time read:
**7:38**
